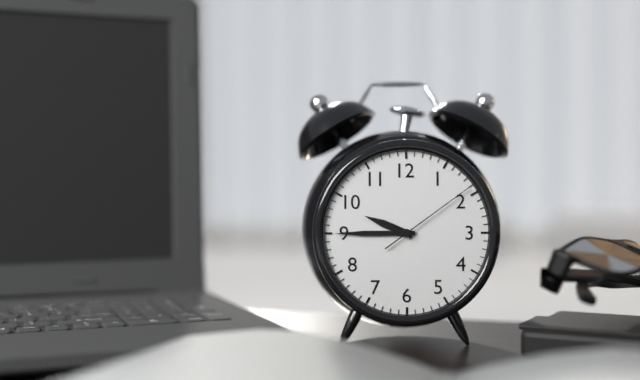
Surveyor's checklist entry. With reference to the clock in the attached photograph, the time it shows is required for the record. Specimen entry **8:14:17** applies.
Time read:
**9:45:09**
